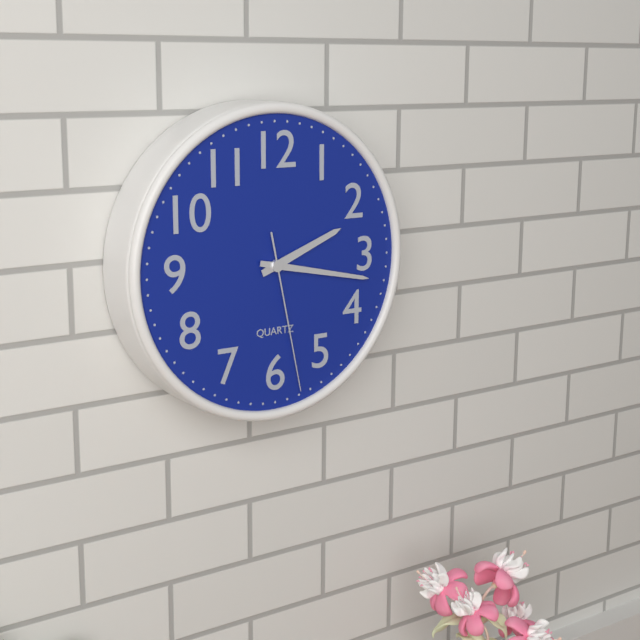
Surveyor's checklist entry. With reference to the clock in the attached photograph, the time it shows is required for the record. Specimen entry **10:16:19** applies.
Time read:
**2:17:28**
